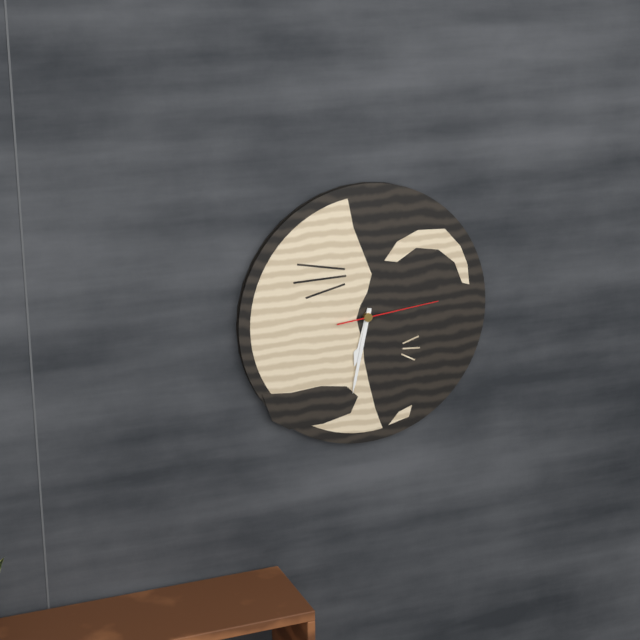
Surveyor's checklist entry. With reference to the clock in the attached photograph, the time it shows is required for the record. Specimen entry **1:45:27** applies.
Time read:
**6:32:14**
